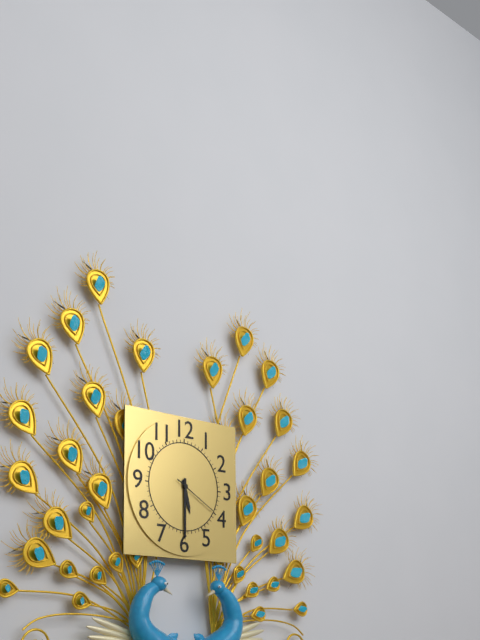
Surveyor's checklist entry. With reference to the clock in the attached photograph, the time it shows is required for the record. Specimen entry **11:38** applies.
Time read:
**5:30**
